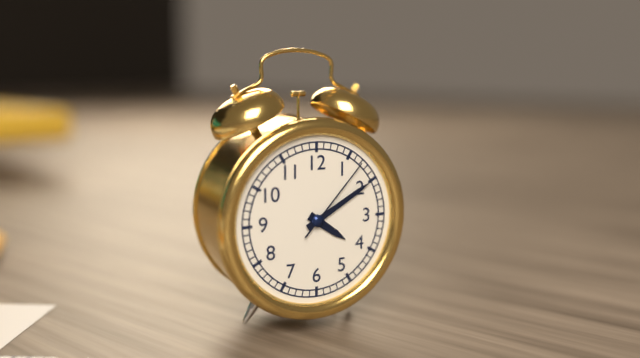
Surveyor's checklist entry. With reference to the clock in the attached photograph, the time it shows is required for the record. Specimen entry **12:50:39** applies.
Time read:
**4:10:07**
